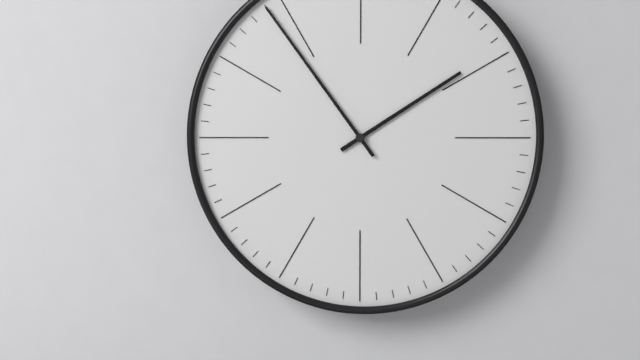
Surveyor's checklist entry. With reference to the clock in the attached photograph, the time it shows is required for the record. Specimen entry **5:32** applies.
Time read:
**1:54**
